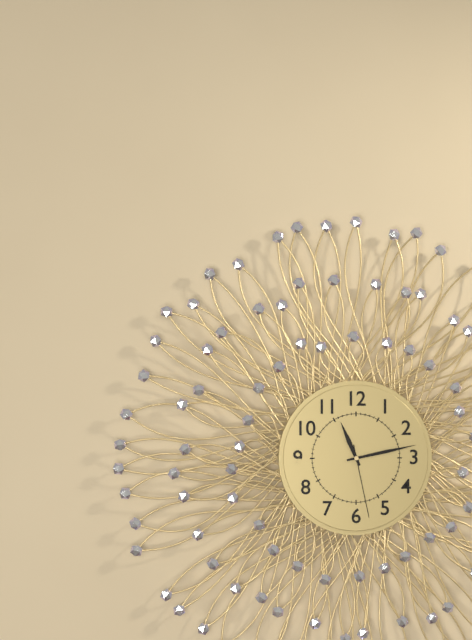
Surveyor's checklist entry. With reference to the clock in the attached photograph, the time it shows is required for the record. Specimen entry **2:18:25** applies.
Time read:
**11:13:28**
